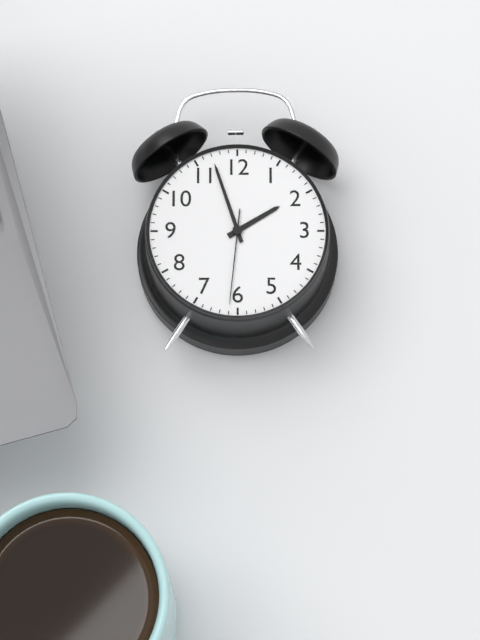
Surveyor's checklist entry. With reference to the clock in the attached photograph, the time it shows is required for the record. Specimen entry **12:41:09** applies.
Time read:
**1:57:31**
